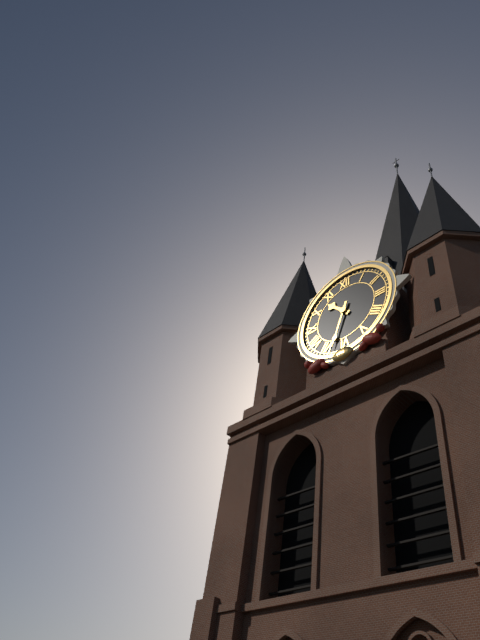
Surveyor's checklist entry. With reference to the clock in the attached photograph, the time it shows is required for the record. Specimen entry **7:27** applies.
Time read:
**10:33**
